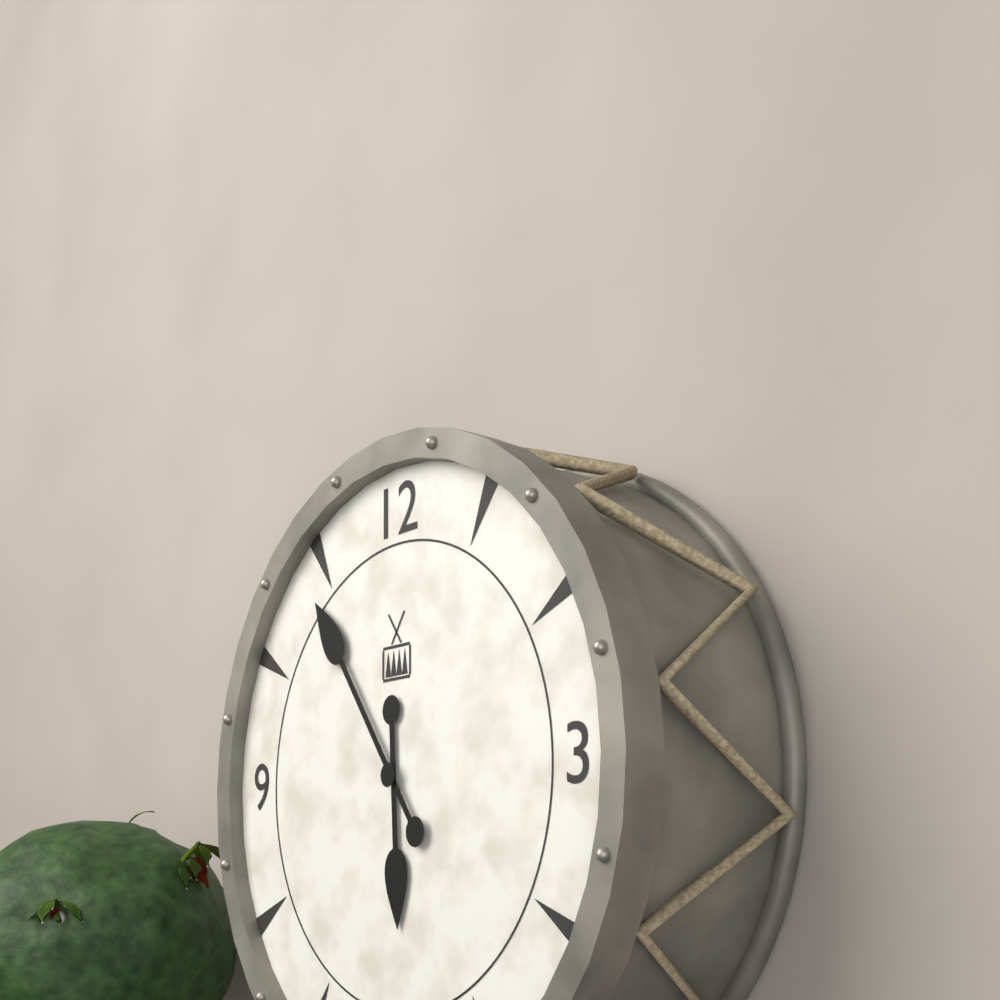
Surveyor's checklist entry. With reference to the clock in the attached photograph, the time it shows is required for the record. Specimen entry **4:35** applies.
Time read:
**5:54**
